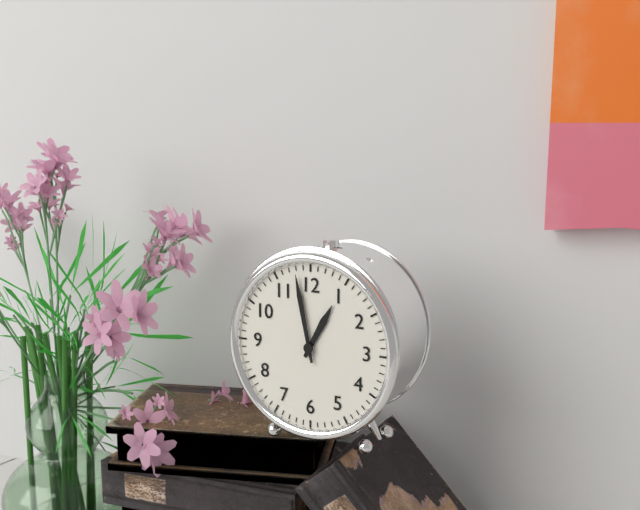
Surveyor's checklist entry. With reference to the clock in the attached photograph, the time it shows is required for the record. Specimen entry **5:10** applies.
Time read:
**12:58**
